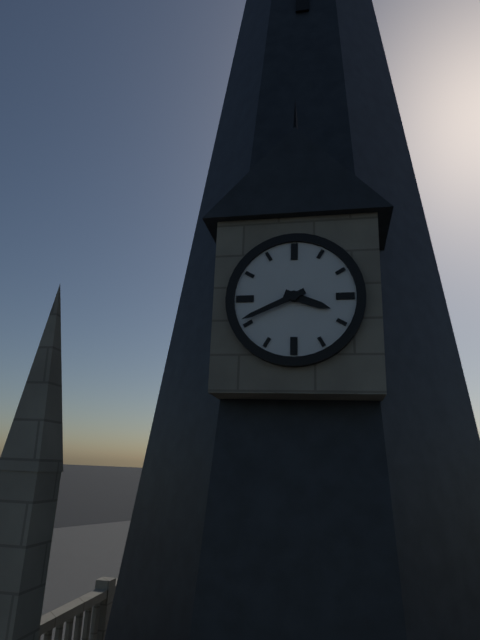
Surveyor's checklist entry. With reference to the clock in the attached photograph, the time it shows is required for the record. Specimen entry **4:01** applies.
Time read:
**3:41**
